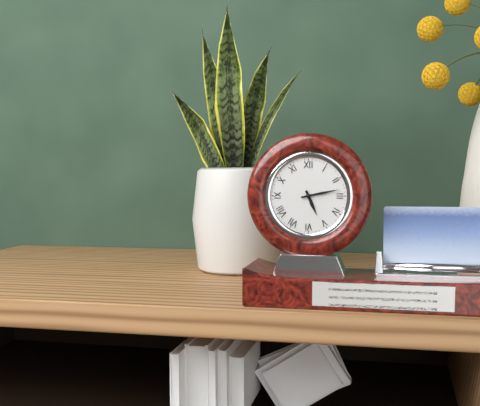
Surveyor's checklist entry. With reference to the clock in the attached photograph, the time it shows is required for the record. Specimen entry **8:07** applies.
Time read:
**5:13**
